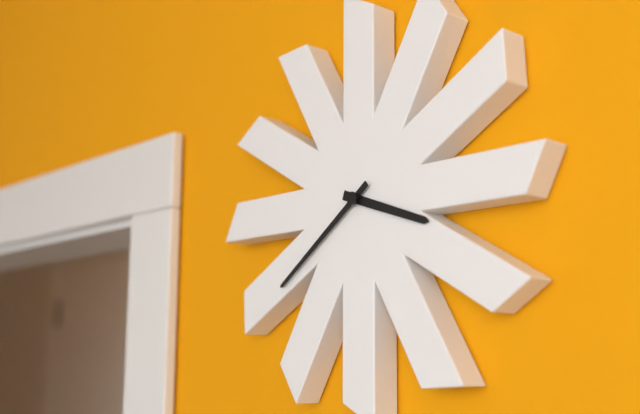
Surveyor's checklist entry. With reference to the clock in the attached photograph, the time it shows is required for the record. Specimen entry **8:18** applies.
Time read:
**3:39**
